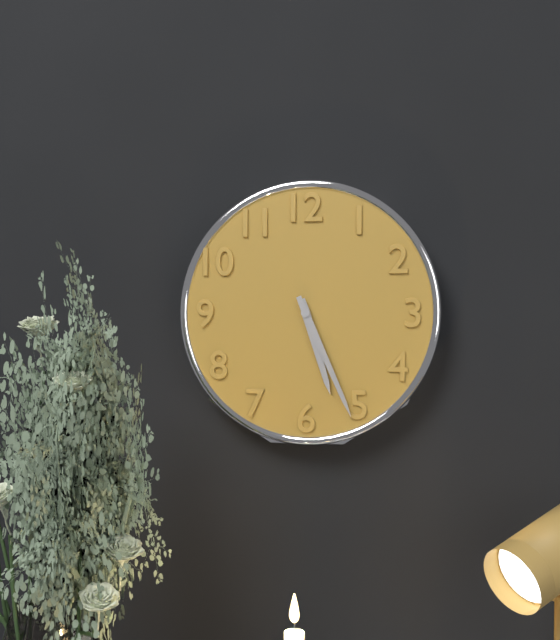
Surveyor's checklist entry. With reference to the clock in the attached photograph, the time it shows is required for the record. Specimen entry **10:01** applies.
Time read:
**5:26**
